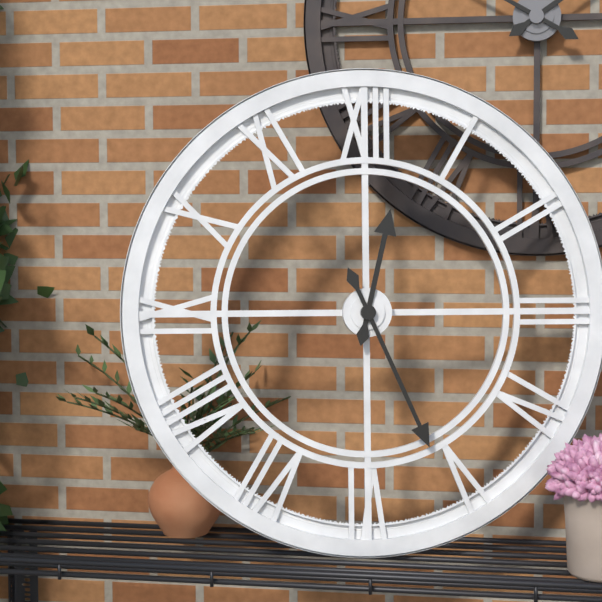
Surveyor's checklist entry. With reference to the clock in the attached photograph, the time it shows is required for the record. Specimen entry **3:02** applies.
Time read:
**12:26**
